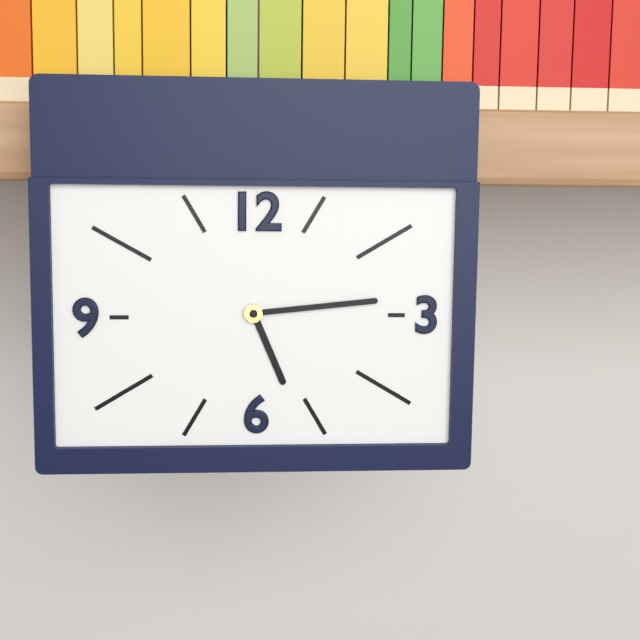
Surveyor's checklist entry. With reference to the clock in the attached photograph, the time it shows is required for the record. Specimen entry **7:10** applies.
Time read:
**5:14**
